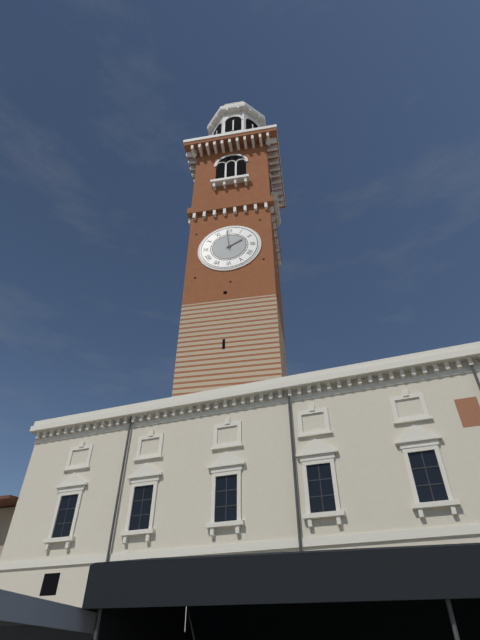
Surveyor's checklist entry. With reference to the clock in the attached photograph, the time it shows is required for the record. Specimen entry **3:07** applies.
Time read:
**1:59**
